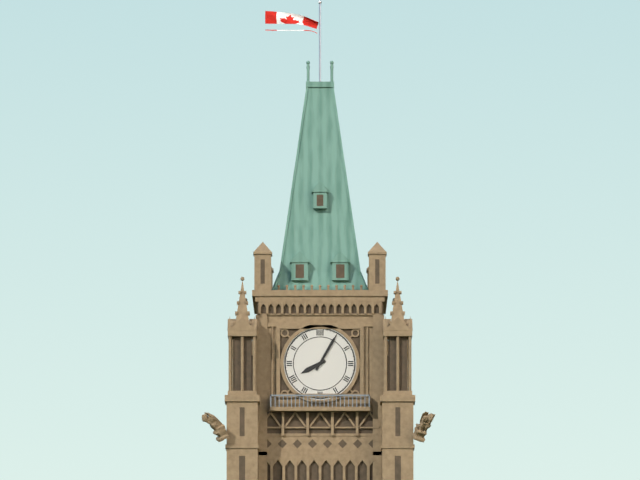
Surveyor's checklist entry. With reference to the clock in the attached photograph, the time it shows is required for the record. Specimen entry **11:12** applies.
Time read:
**8:05**
